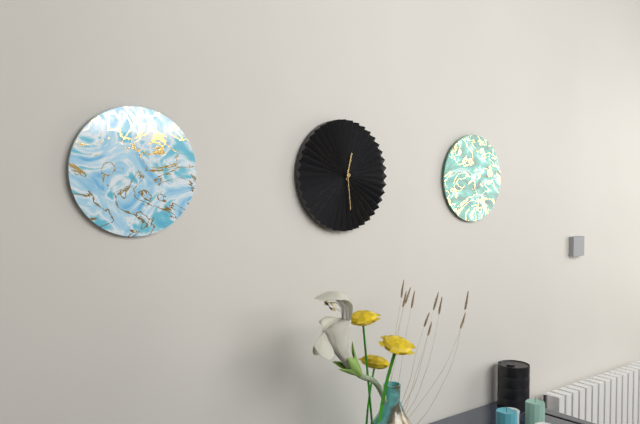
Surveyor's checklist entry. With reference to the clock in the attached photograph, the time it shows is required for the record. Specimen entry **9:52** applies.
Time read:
**12:29**
